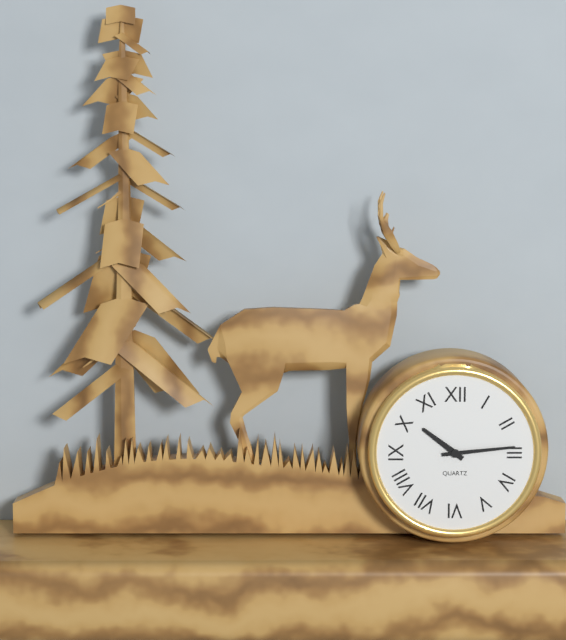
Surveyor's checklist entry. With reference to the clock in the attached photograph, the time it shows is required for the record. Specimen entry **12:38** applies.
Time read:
**10:14**
